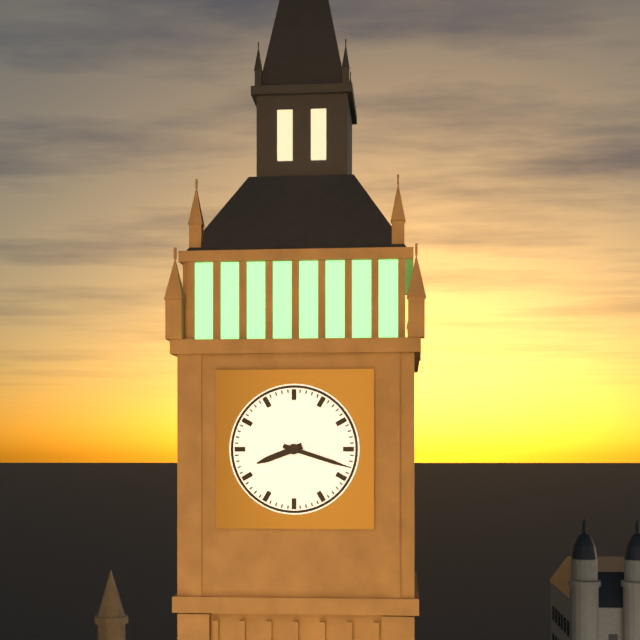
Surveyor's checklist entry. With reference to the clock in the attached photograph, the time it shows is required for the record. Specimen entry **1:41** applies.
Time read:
**8:18**
